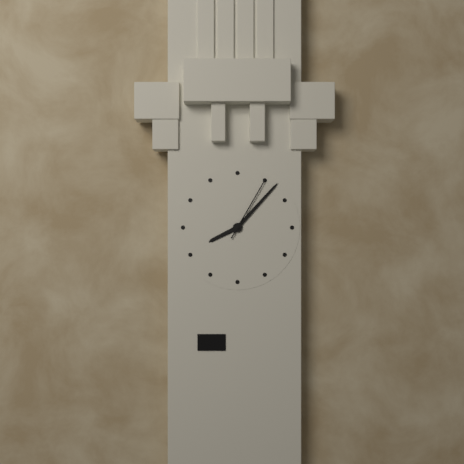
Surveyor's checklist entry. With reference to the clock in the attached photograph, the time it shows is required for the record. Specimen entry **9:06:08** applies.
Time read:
**8:07:05**
